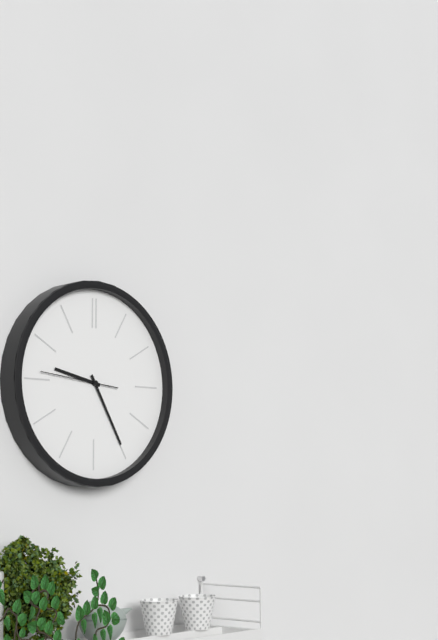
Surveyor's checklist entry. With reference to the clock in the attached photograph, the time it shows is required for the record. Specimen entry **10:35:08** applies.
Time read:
**9:25:46**
